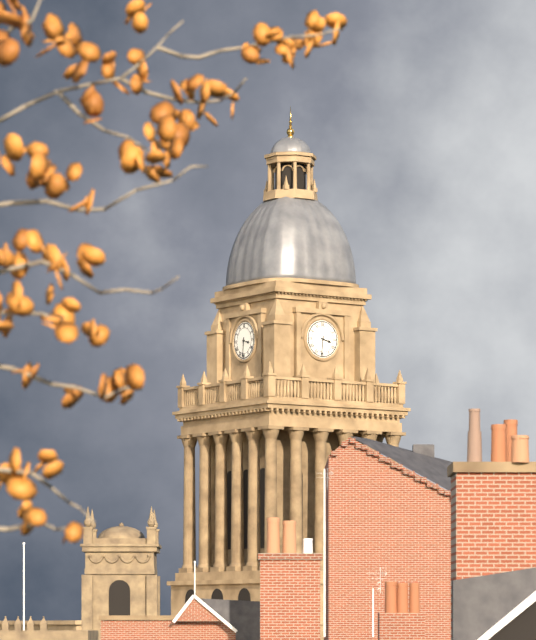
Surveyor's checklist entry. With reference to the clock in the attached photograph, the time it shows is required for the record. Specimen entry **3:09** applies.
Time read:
**3:31**
